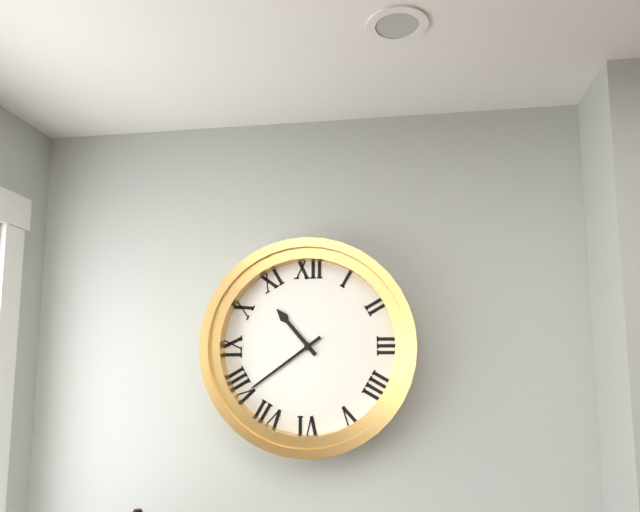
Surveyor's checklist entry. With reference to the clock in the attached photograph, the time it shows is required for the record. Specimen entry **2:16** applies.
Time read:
**10:39**
